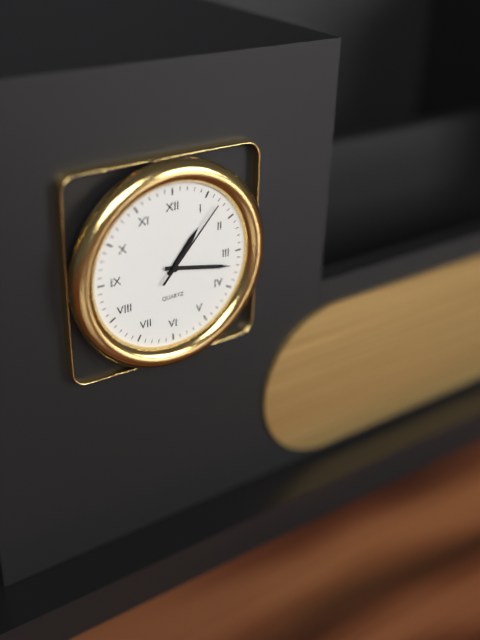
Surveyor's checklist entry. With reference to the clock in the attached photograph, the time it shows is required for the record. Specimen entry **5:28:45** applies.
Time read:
**1:17:07**
